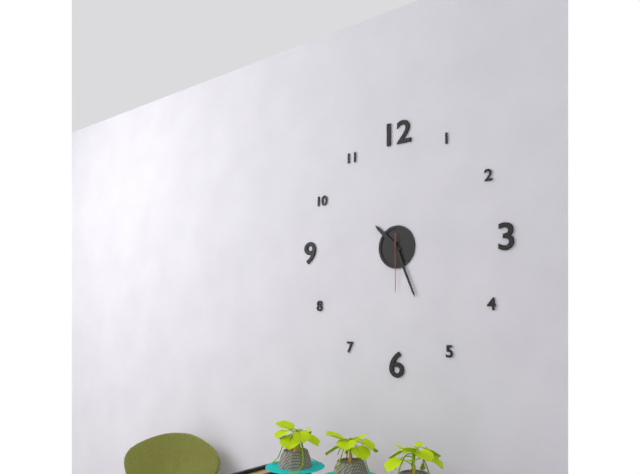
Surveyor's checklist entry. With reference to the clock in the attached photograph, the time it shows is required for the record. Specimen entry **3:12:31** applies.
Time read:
**10:26:30**
